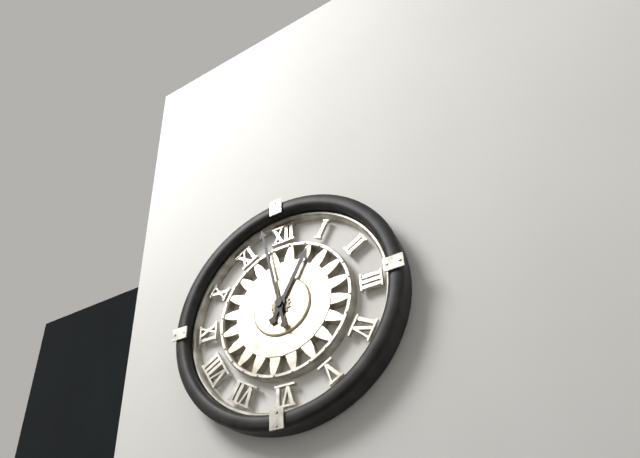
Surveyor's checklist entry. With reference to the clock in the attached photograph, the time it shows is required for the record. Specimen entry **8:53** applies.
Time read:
**12:58**
